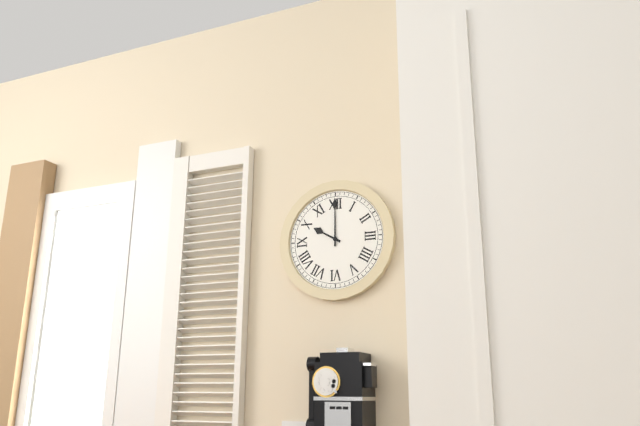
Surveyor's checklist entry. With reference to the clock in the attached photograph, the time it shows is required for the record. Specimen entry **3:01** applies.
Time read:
**10:00**
